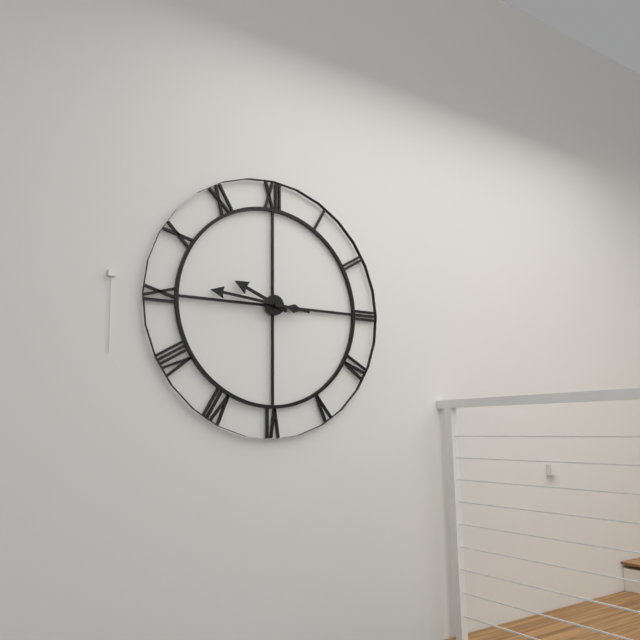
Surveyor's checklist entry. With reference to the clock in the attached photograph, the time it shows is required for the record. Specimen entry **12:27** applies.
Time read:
**9:46**
